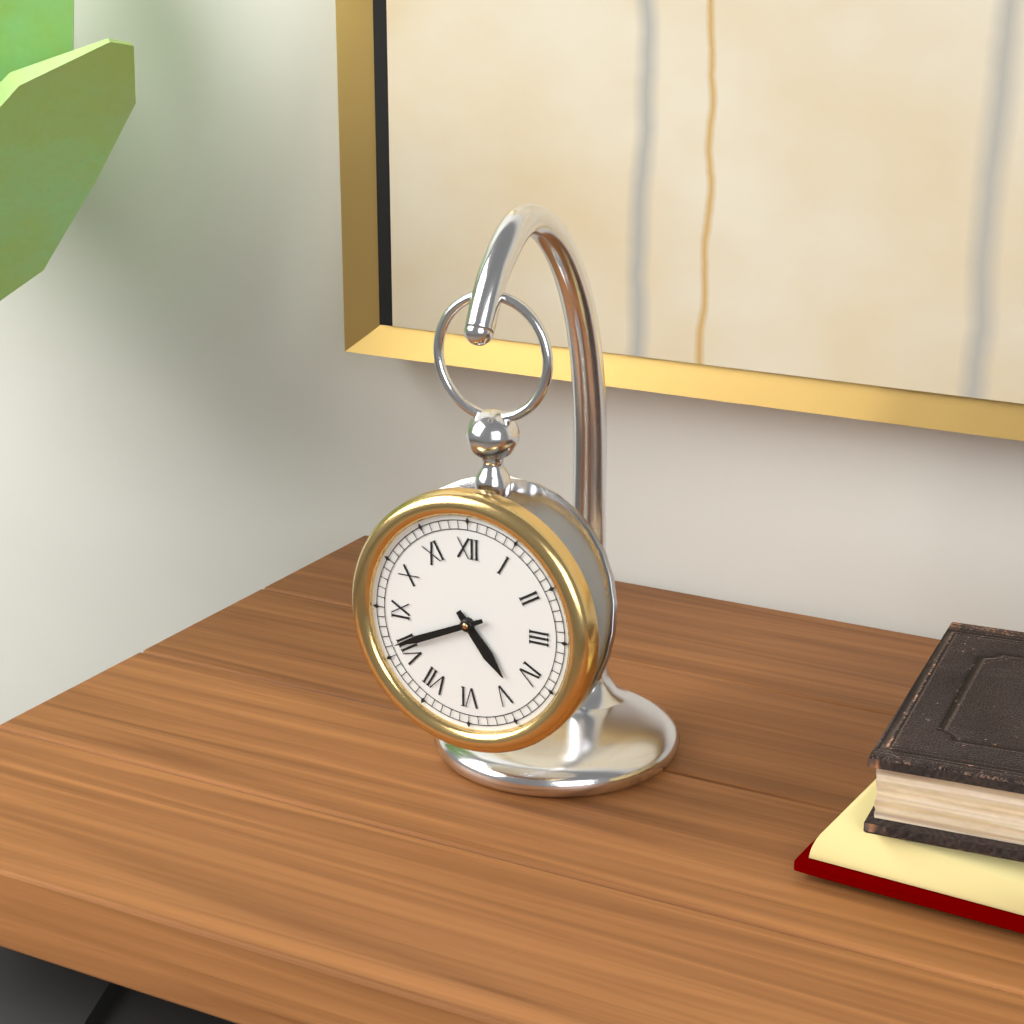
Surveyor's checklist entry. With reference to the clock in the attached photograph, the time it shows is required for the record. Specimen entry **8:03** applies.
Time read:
**4:41**
